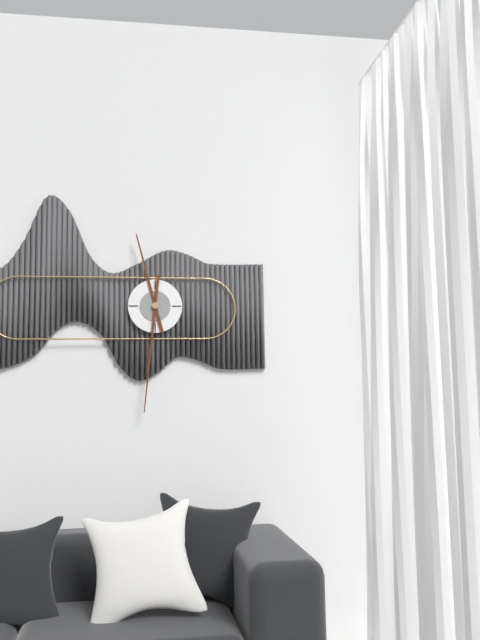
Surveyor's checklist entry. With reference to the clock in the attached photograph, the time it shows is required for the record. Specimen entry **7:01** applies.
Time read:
**11:31**
